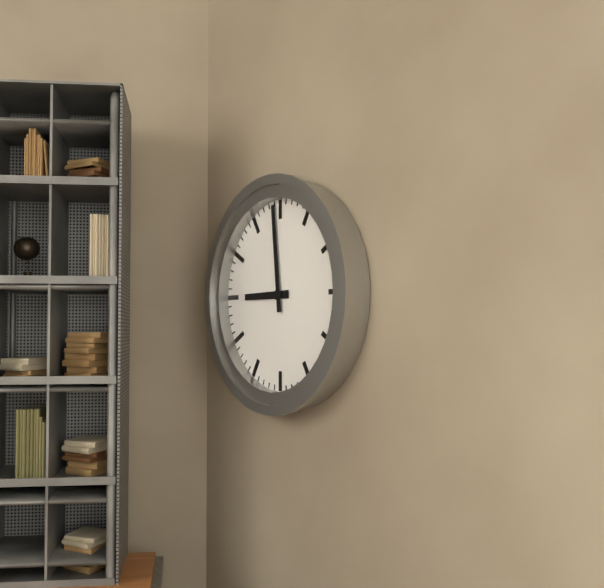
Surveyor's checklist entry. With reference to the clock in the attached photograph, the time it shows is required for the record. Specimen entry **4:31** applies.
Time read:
**8:59**
